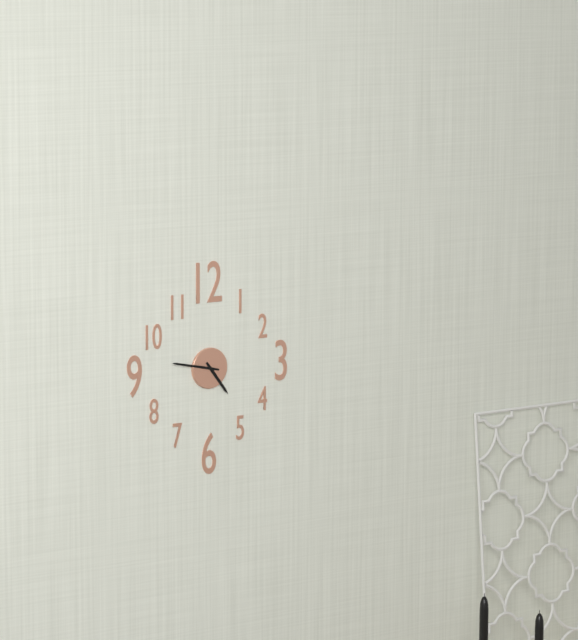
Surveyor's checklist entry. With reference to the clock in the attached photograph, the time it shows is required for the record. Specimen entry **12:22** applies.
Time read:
**4:47**
